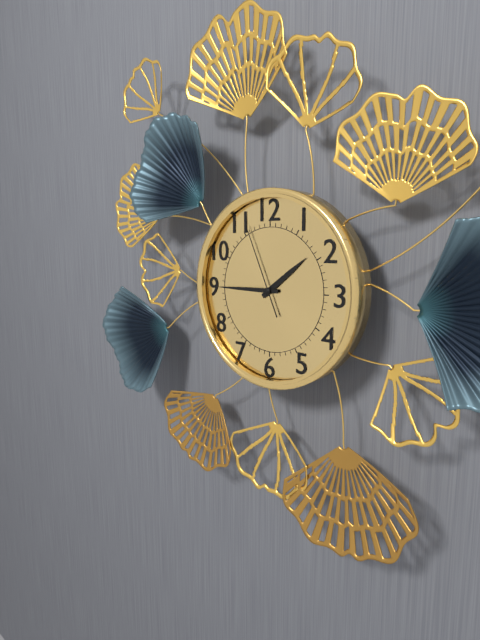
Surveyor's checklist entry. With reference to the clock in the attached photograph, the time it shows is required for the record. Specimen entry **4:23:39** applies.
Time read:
**1:45:56**
